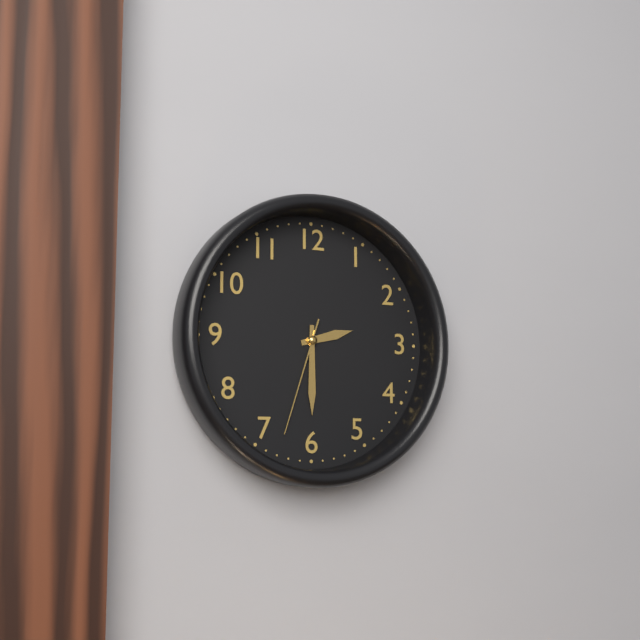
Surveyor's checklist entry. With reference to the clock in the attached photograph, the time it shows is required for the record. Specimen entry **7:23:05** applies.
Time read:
**2:30:33**
